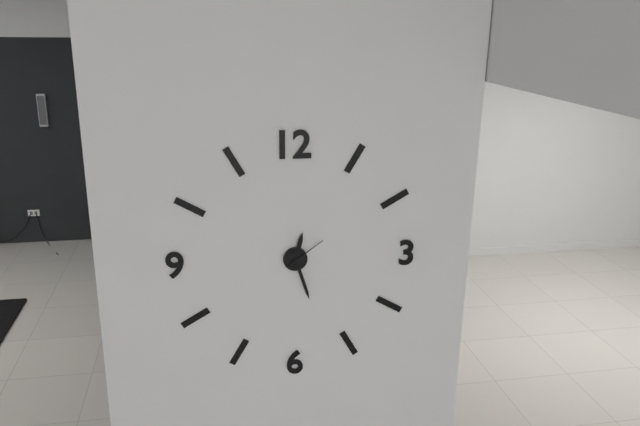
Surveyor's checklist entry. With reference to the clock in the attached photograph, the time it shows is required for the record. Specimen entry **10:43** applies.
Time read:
**12:27**
